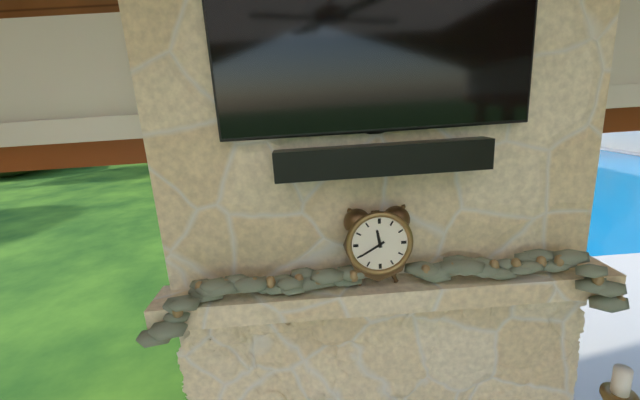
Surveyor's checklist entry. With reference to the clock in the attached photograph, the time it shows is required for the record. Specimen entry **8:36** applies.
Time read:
**11:40**
